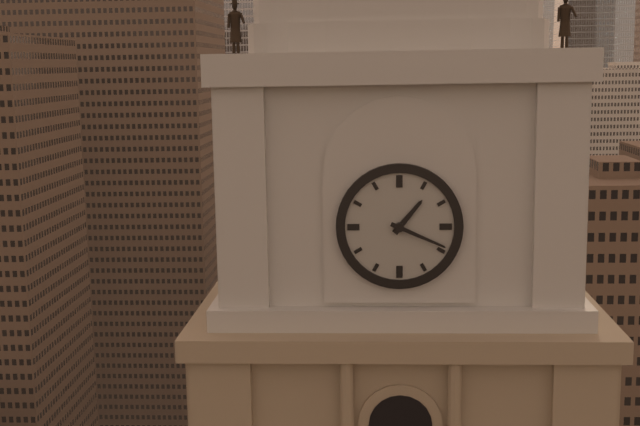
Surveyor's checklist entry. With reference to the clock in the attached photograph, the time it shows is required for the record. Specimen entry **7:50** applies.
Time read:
**1:19**
